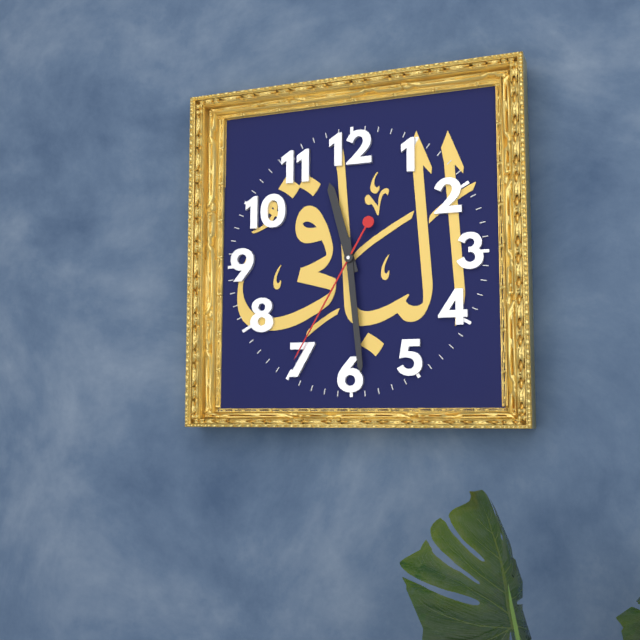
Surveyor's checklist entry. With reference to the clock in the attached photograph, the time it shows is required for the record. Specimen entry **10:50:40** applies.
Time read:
**11:29:35**
